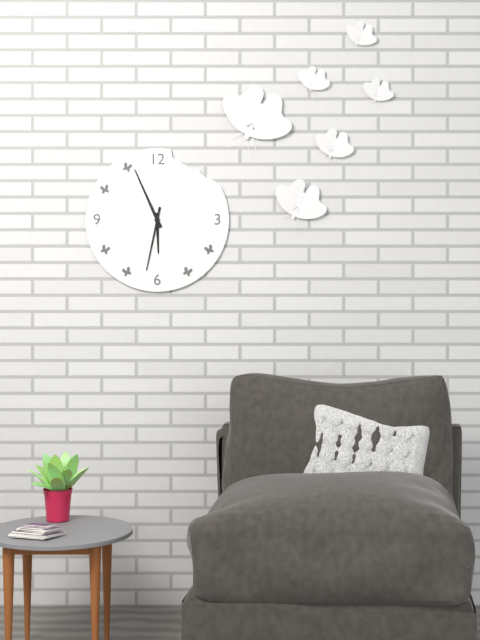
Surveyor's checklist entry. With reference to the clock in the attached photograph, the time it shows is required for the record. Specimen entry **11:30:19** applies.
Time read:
**5:56:32**
